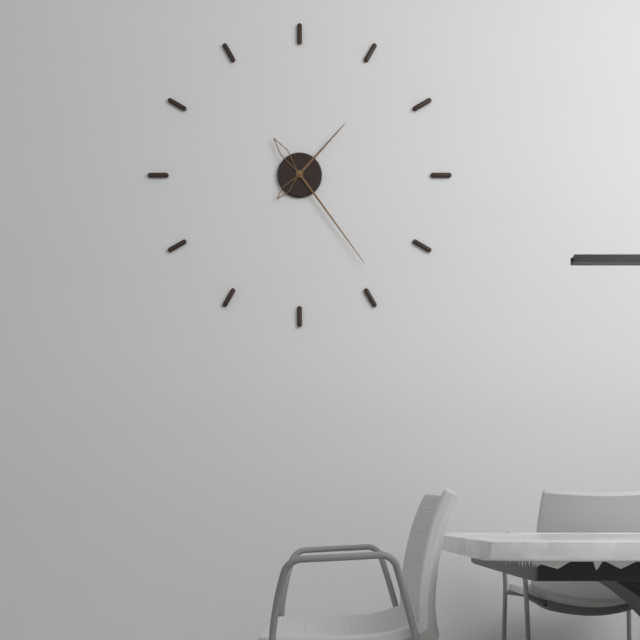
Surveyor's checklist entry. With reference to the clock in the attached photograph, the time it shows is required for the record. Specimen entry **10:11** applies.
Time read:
**1:24**
